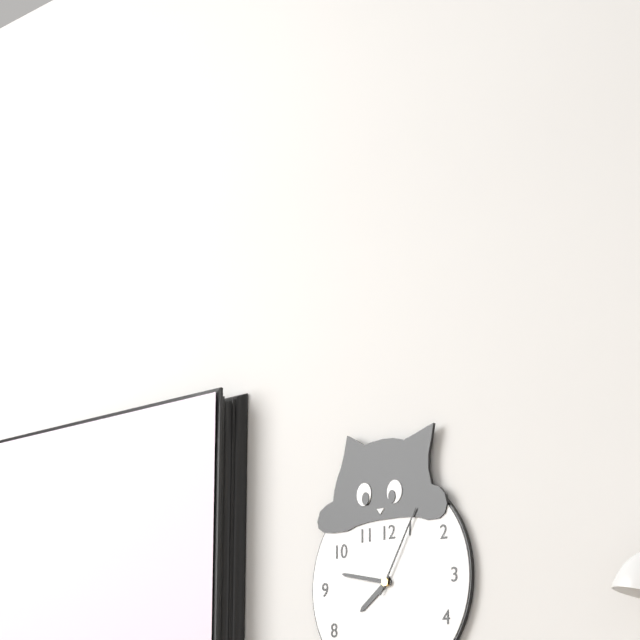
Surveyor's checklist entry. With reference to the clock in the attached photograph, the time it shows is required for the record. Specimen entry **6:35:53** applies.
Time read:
**7:47:05**
